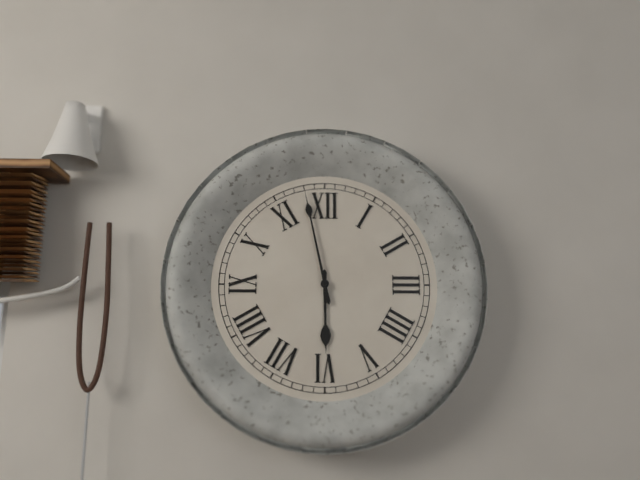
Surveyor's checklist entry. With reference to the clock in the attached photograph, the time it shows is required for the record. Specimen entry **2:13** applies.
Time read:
**5:58**
